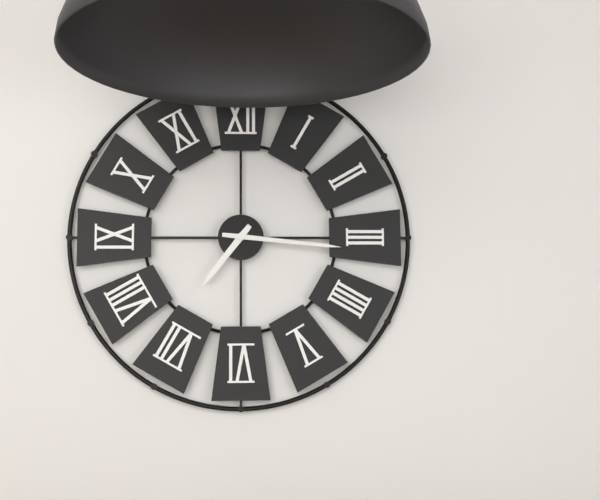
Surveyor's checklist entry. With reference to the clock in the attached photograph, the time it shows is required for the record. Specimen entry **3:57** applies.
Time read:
**7:16**
